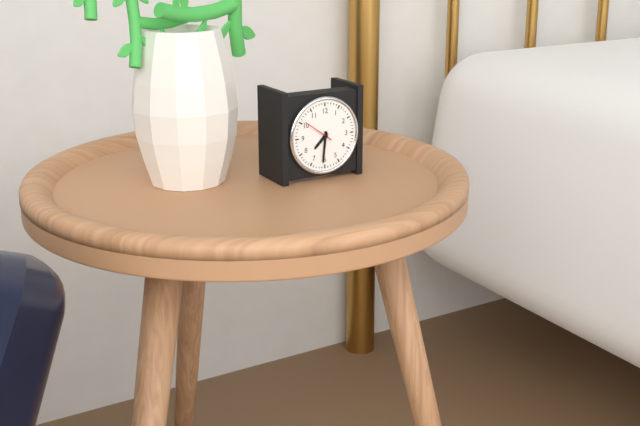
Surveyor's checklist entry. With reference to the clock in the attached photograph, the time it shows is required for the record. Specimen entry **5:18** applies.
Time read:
**7:31**
